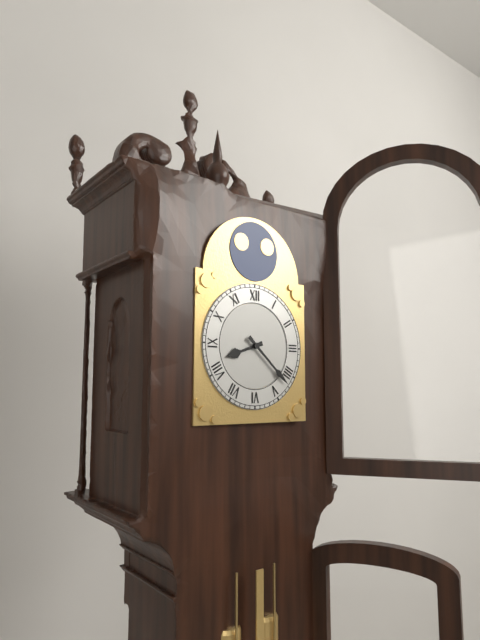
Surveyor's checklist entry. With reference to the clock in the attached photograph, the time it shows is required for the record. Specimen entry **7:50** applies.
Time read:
**8:22**
